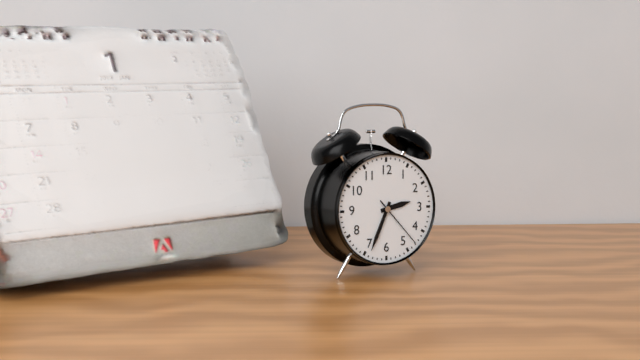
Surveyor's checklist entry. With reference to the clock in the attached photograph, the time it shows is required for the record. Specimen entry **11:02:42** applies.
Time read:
**2:34:23**
